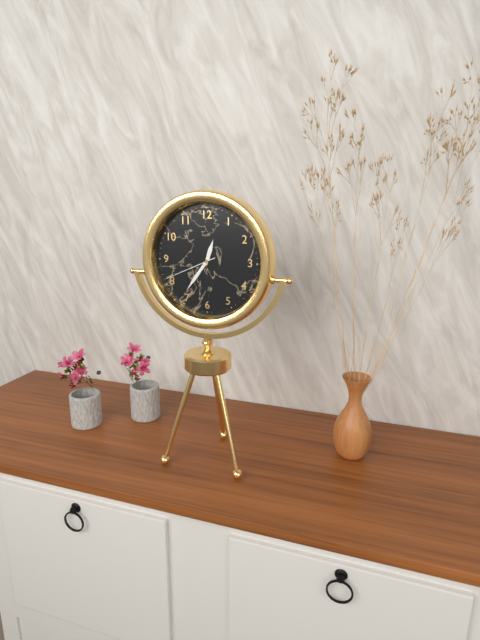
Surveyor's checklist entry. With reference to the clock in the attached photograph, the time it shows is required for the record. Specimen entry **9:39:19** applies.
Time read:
**12:36:41**
